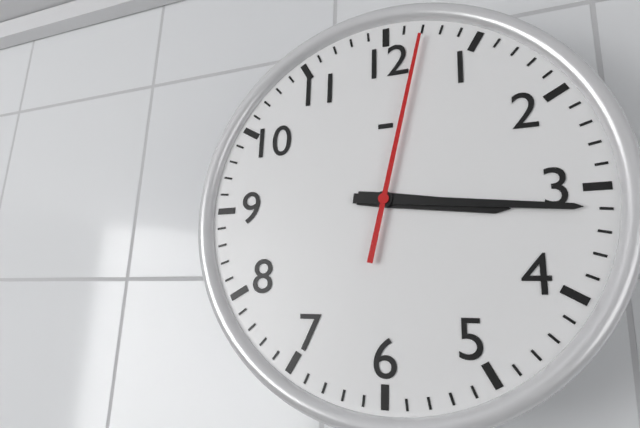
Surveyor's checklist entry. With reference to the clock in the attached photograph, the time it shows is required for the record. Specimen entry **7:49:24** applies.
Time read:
**3:16:02**
